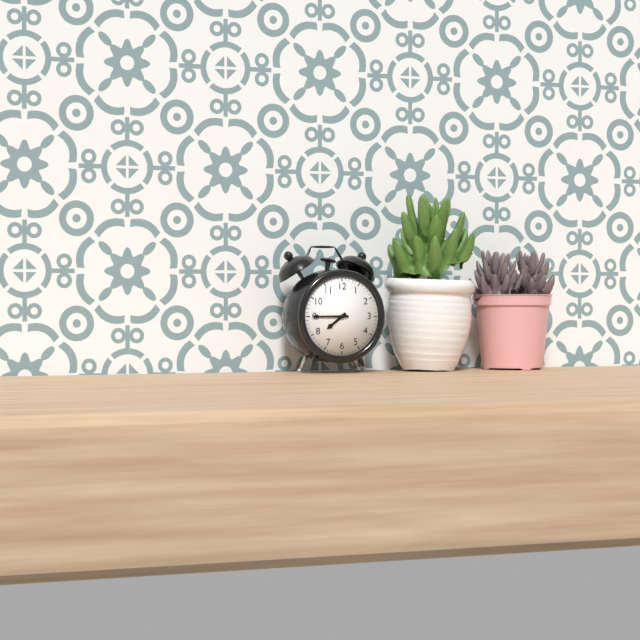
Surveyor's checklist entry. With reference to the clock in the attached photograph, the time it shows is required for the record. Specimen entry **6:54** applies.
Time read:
**7:45**
